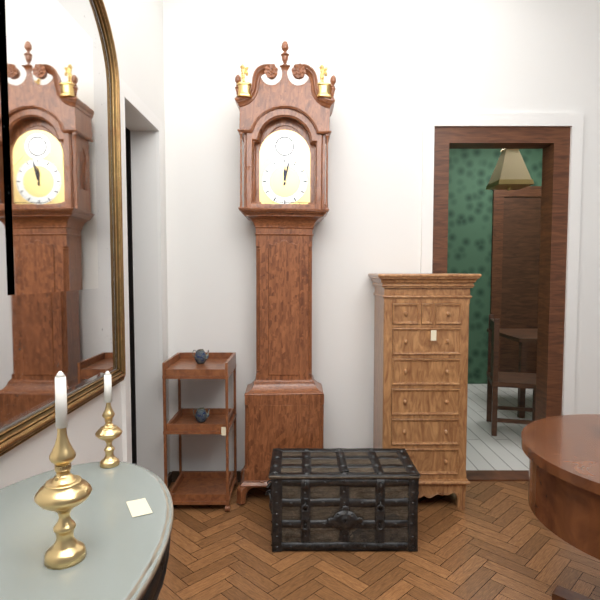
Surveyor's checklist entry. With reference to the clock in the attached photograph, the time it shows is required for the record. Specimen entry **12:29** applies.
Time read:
**12:02**
